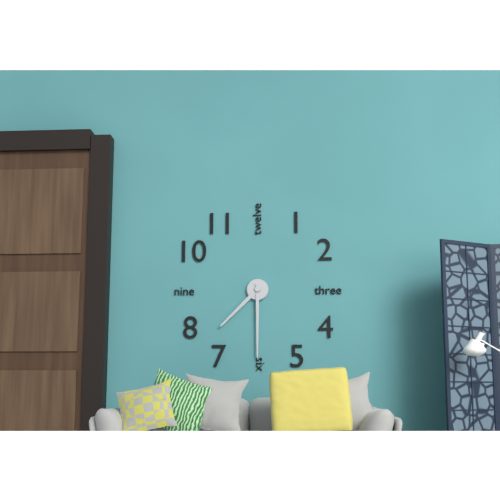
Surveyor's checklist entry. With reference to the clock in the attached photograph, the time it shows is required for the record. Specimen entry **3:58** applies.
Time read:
**7:30**
